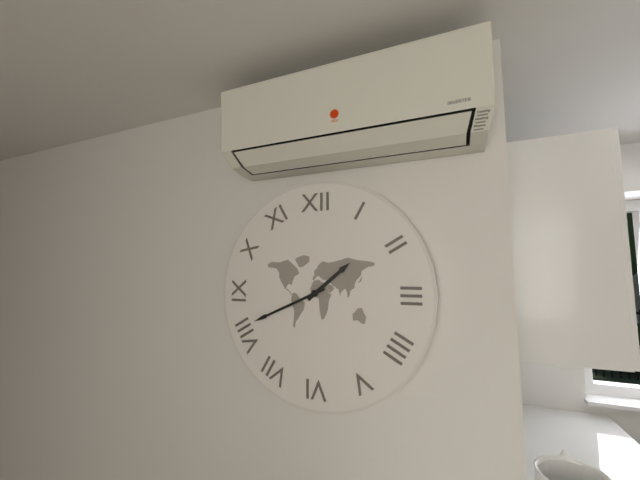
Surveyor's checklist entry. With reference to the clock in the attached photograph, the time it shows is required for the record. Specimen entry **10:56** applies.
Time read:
**1:41**
